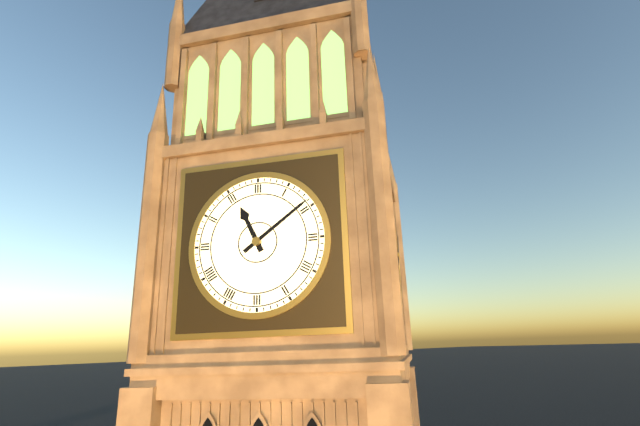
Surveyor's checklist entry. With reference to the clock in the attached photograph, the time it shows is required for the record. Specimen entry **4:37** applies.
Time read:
**11:09**
